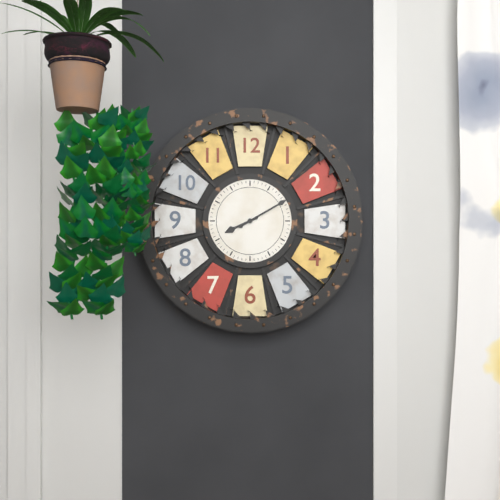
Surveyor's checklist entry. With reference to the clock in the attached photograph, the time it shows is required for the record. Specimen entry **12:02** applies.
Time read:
**8:10**
